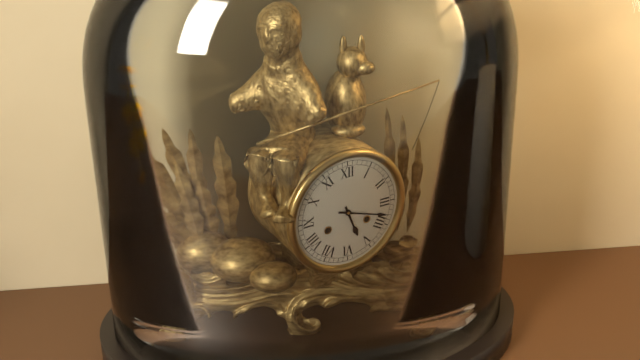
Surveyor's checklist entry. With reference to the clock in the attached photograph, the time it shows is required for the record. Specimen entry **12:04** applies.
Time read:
**5:18**
